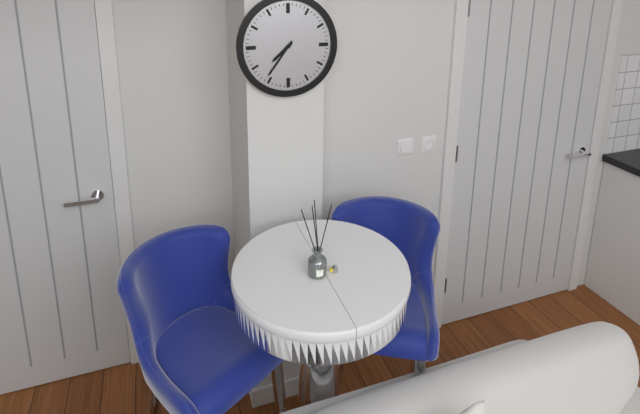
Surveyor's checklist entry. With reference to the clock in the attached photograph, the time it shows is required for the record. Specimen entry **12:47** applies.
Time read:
**7:36**
